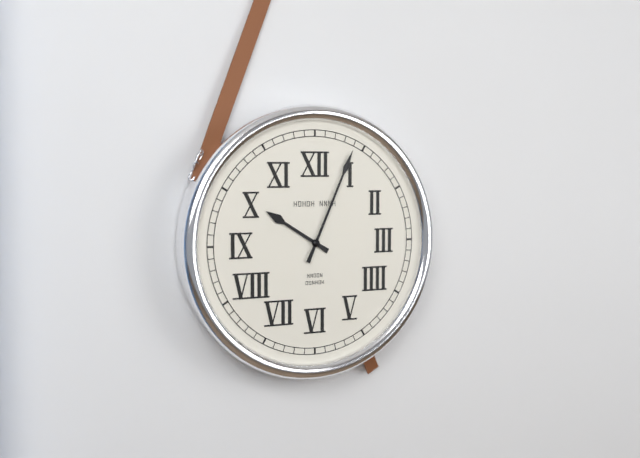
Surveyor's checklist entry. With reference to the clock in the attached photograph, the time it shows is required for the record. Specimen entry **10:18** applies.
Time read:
**10:04**
